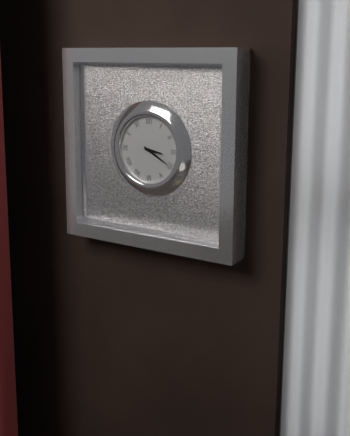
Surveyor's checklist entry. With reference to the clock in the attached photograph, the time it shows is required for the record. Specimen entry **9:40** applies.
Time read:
**3:20**
